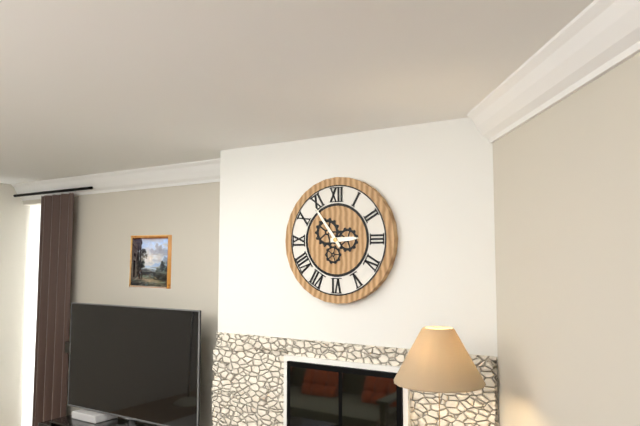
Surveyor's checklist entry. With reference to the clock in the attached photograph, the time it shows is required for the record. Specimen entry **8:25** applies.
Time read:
**2:54**
